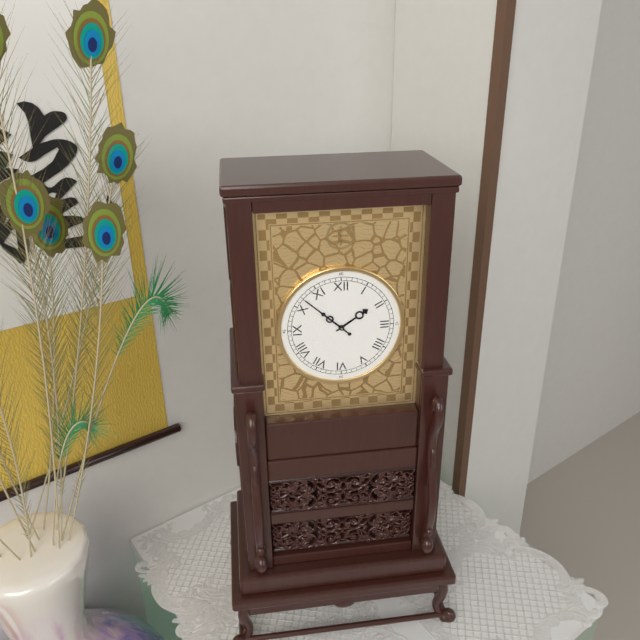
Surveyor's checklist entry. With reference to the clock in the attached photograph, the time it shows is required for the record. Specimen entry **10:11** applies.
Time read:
**1:52**
